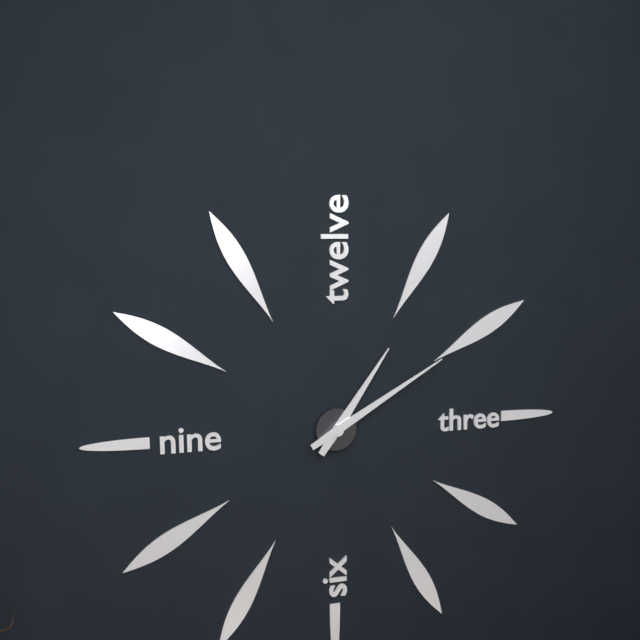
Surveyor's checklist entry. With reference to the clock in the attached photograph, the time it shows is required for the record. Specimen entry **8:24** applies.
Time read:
**1:10**
